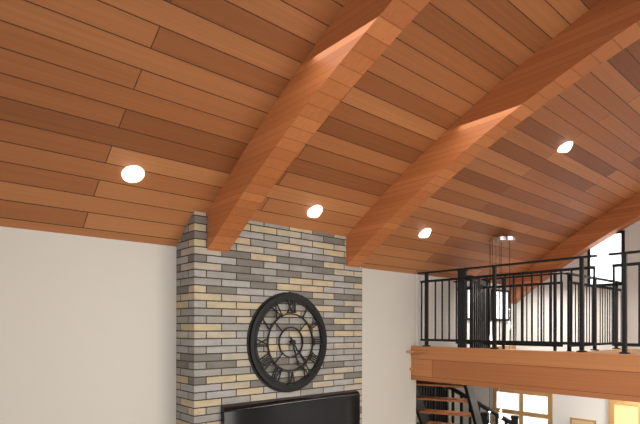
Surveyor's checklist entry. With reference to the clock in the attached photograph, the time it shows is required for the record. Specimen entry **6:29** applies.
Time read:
**5:24**
